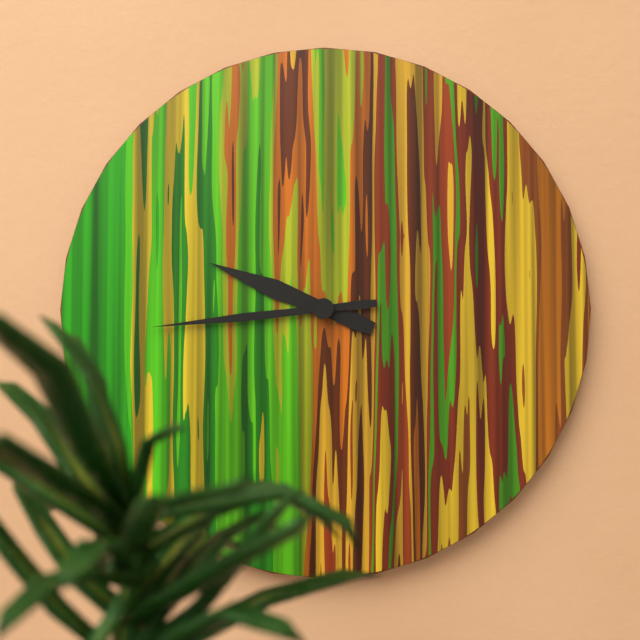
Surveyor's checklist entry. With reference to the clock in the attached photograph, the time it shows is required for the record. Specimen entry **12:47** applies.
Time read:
**9:44**
